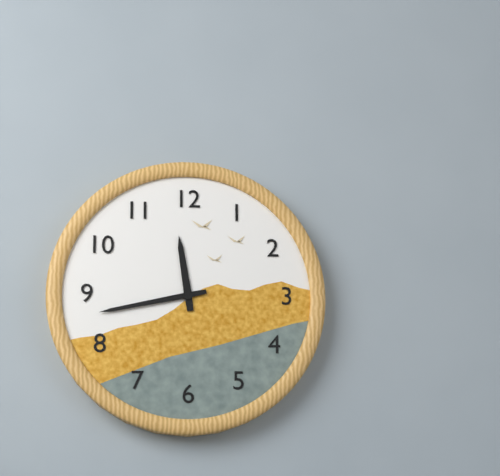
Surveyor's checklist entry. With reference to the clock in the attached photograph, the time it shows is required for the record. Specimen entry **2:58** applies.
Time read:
**11:43**
